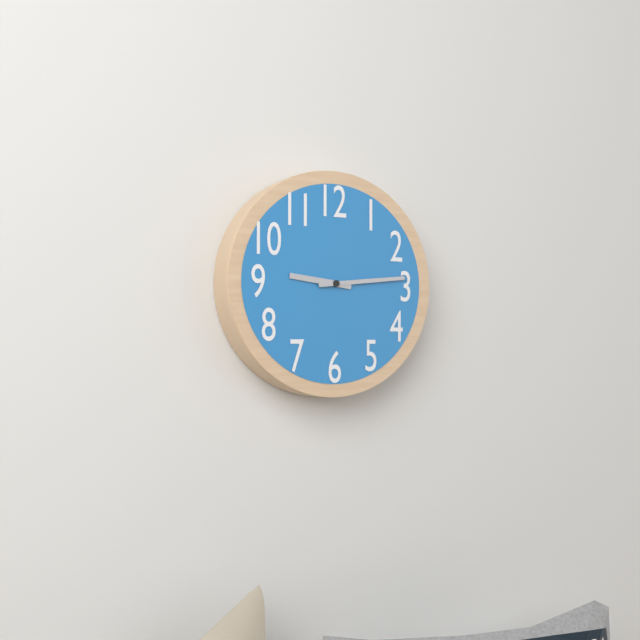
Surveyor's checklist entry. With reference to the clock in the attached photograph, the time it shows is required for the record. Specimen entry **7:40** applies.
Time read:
**9:14**
